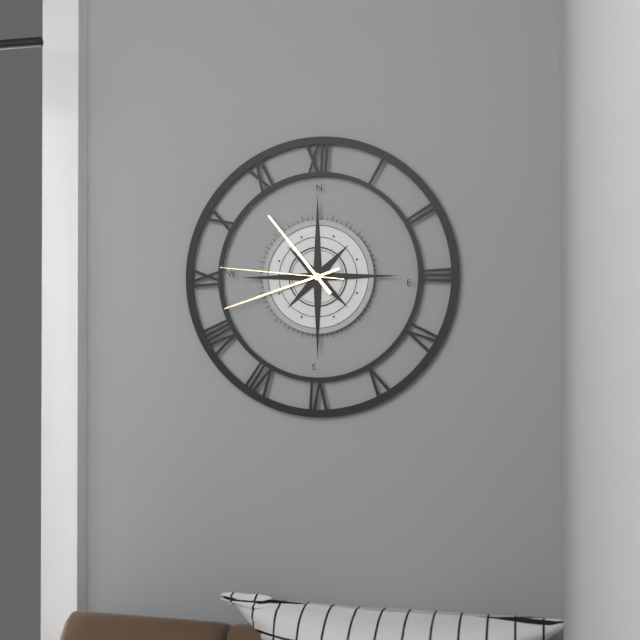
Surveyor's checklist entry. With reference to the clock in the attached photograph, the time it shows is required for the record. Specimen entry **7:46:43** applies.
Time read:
**10:42:46**
